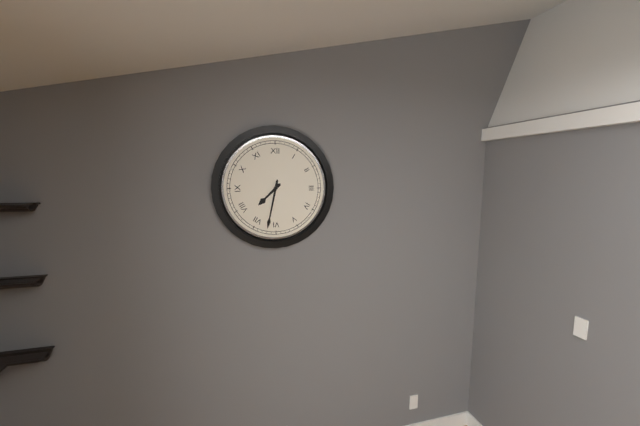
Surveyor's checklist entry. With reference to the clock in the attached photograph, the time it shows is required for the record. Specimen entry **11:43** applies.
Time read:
**7:32**
